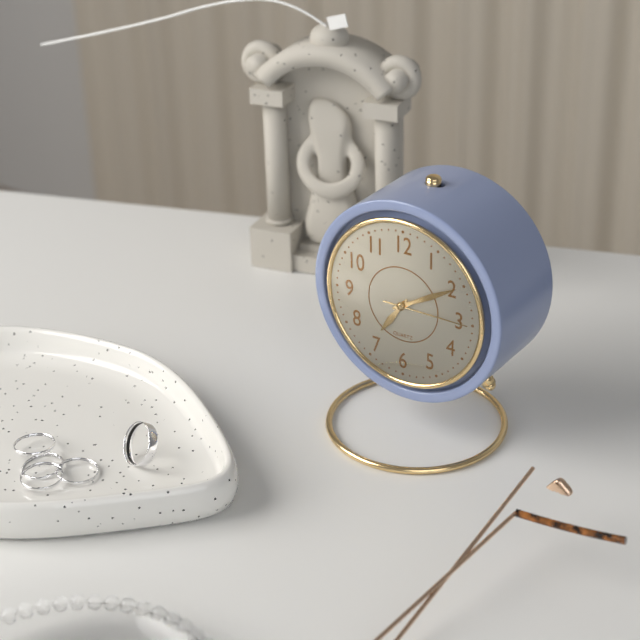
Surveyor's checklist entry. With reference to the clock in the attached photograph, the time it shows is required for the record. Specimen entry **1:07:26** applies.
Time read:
**7:10:15**
